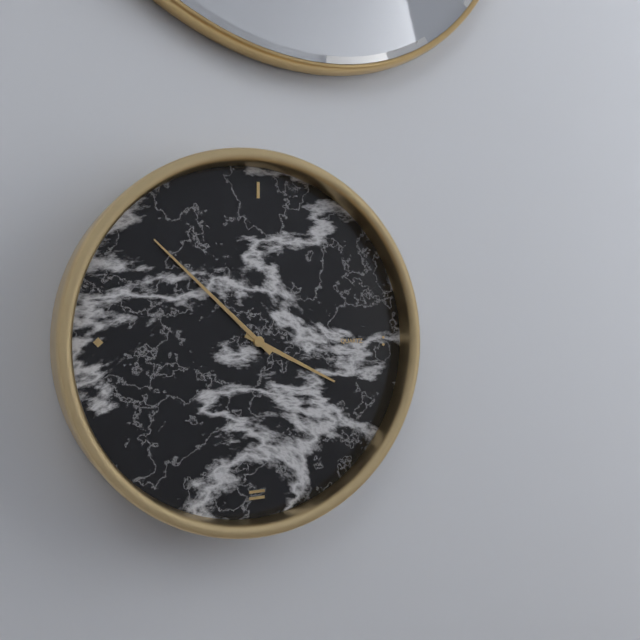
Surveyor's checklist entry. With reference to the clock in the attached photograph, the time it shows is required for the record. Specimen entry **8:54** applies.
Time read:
**3:52**
